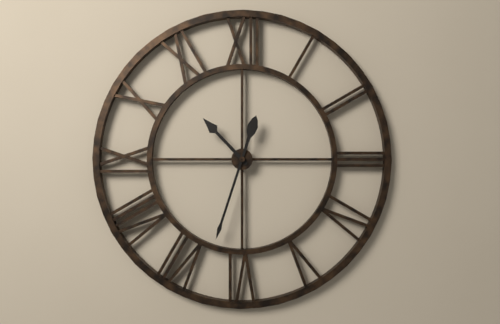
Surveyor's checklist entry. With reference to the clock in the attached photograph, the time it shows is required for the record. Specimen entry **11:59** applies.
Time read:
**10:33**
